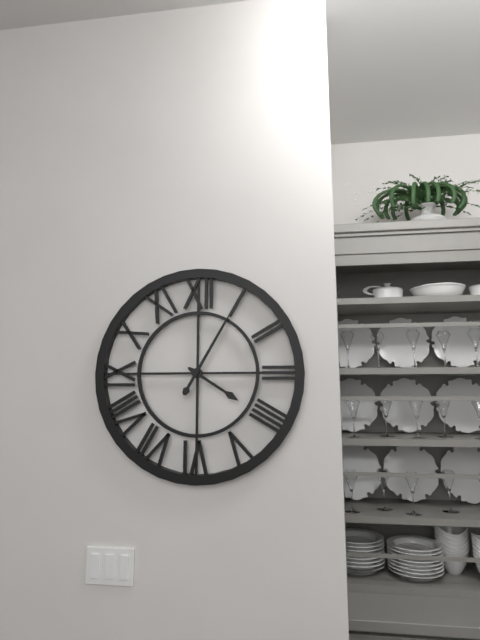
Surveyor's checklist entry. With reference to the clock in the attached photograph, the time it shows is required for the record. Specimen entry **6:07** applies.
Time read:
**4:05**
